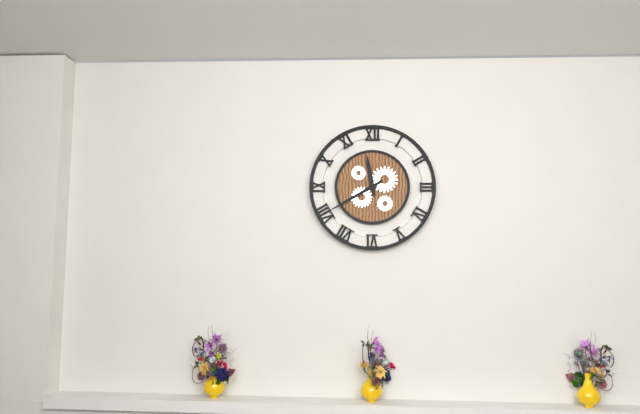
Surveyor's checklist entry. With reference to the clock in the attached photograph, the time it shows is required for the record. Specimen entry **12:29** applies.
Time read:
**11:40**
